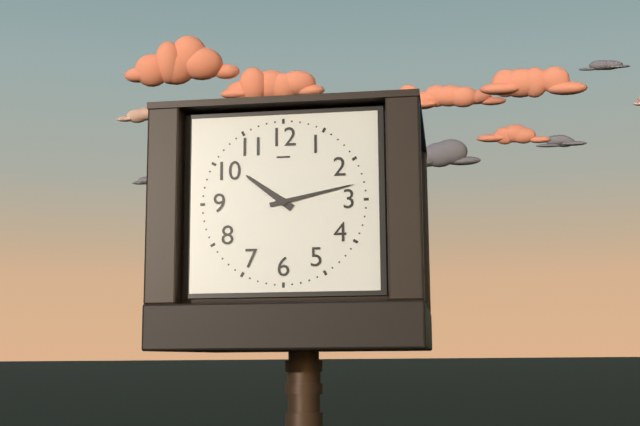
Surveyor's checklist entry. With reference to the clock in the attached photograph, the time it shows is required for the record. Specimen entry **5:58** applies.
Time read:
**10:13**
